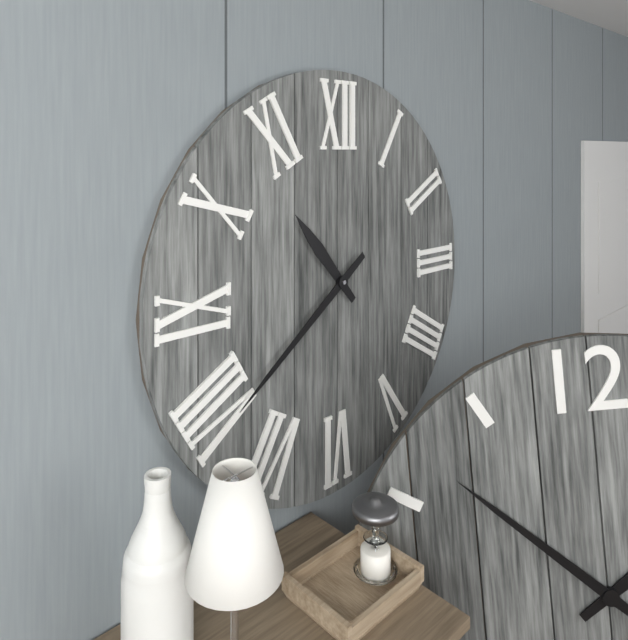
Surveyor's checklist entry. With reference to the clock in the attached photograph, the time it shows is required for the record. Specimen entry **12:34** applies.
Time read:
**10:39**
